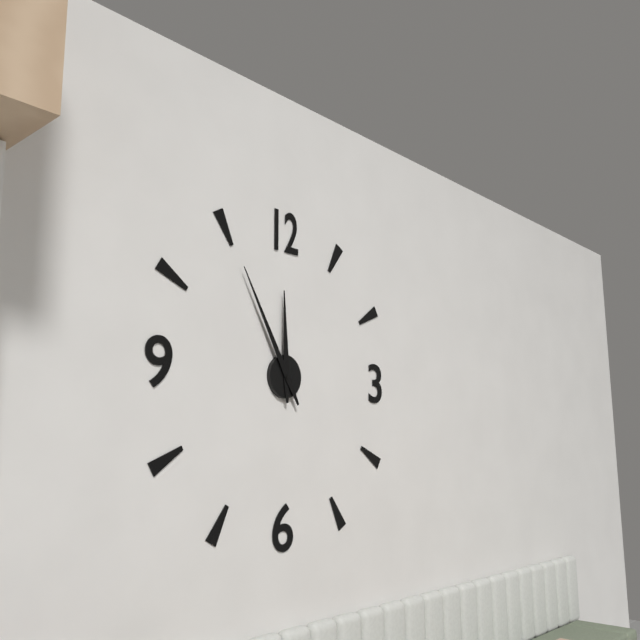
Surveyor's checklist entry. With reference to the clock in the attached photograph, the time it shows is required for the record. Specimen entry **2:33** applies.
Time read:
**11:55**
